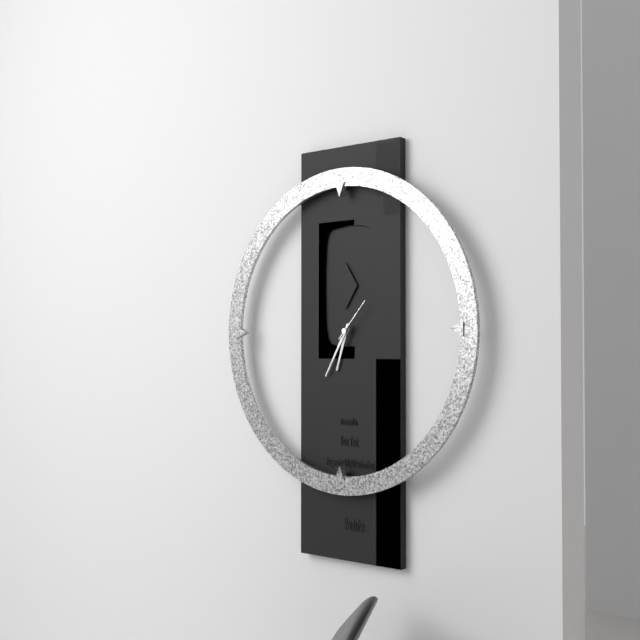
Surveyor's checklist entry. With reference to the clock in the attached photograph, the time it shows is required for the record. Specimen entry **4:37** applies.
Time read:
**6:35**
